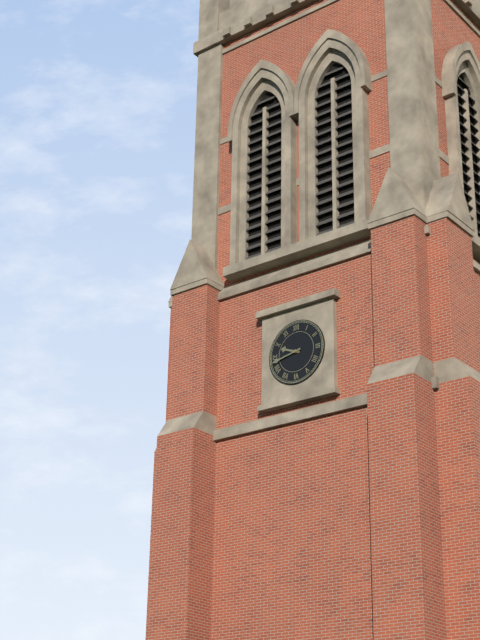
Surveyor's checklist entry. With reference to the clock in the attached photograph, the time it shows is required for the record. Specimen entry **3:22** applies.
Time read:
**9:43**
